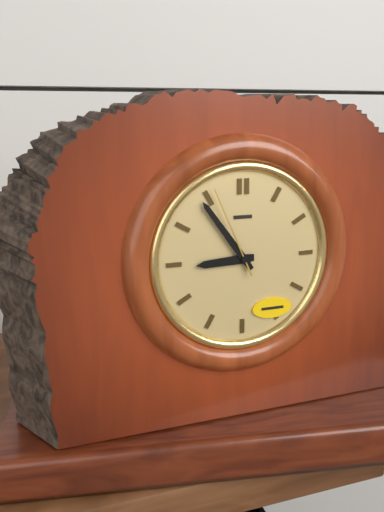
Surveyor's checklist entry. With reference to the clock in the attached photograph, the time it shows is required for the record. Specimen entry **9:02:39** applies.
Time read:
**8:54:56**
